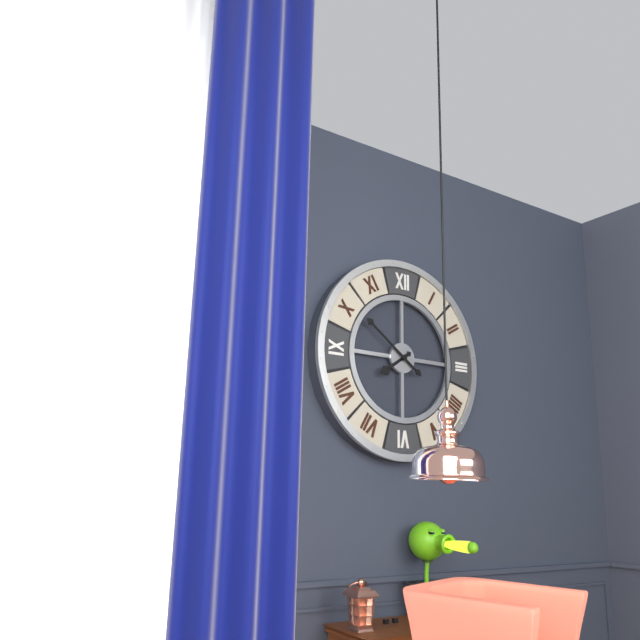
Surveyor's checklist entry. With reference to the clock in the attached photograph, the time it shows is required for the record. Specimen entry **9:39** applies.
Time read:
**7:51**
